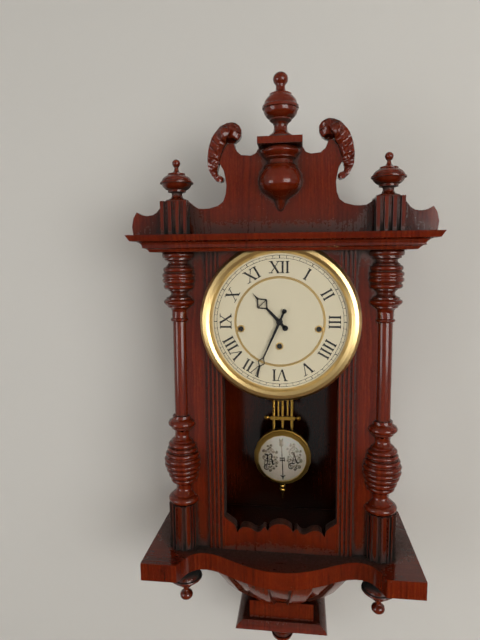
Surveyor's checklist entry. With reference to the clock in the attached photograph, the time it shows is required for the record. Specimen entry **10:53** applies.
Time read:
**10:34**
